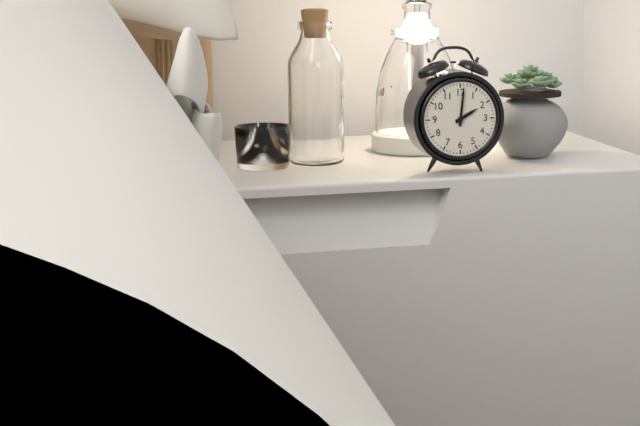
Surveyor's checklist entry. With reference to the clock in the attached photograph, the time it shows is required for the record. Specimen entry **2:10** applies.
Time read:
**2:01**
